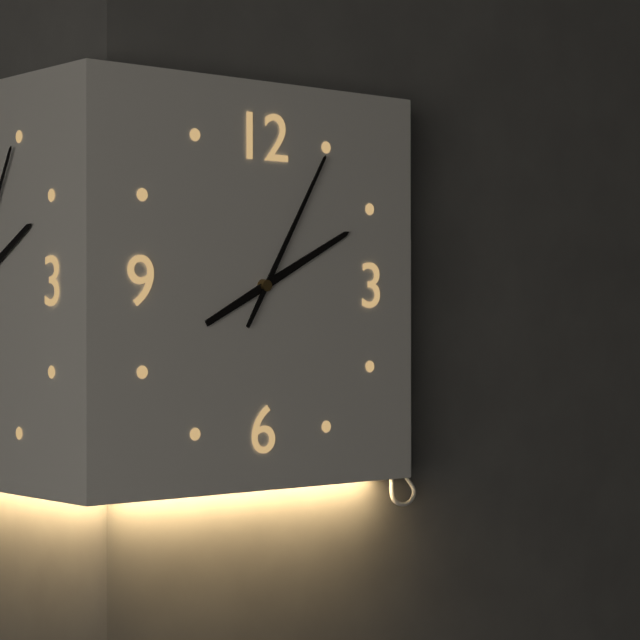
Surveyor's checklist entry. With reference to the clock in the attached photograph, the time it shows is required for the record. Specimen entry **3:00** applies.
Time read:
**2:05**
